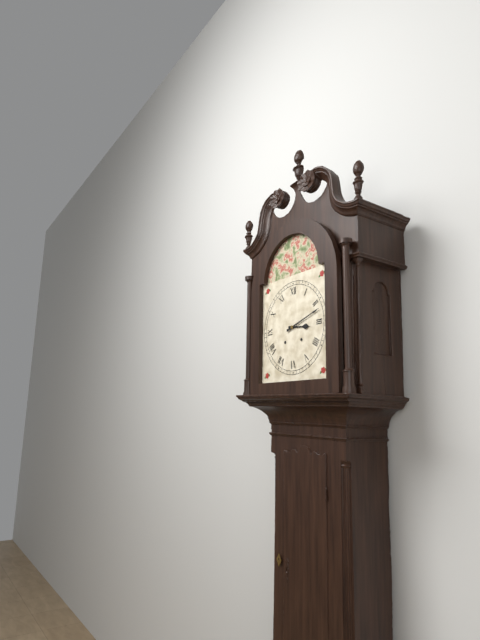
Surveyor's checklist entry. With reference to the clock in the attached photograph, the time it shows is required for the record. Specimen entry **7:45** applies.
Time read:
**3:12**
